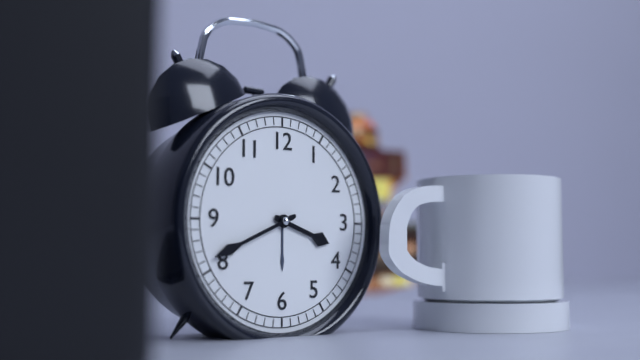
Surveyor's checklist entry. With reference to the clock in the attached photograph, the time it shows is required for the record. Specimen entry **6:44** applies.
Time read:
**3:41**
